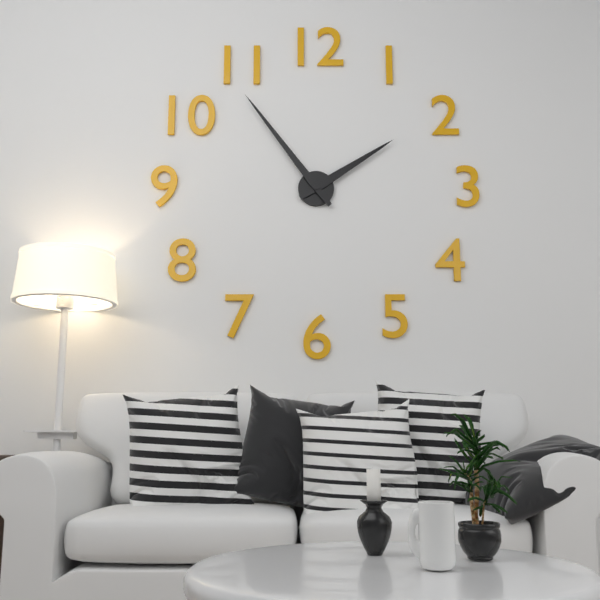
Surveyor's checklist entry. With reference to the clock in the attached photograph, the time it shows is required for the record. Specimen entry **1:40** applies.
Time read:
**1:54**
